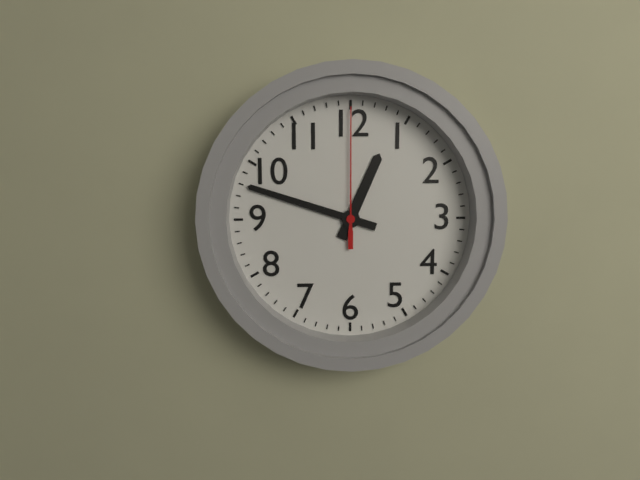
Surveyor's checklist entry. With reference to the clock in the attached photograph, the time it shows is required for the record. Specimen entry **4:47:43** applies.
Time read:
**12:48:00**
